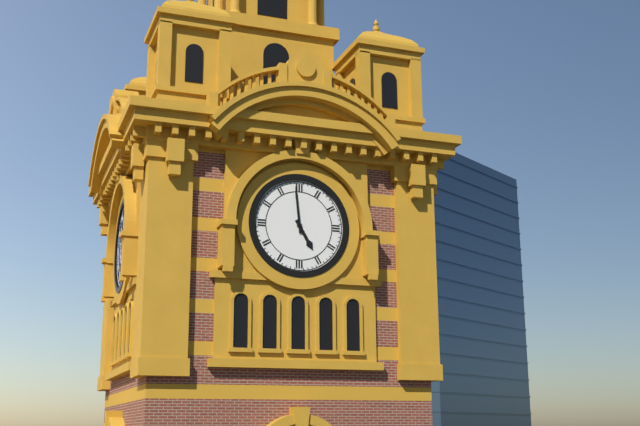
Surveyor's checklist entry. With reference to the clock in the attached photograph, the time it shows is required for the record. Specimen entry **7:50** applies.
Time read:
**4:59**
